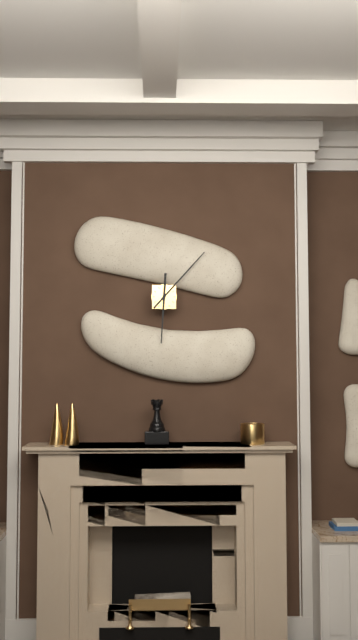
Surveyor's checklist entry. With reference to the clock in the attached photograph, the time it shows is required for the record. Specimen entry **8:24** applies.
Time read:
**6:07**
